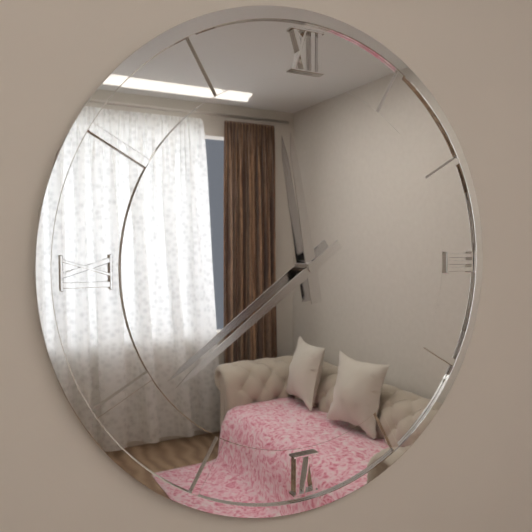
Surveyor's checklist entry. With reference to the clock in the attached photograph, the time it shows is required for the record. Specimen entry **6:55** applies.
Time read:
**11:39**
